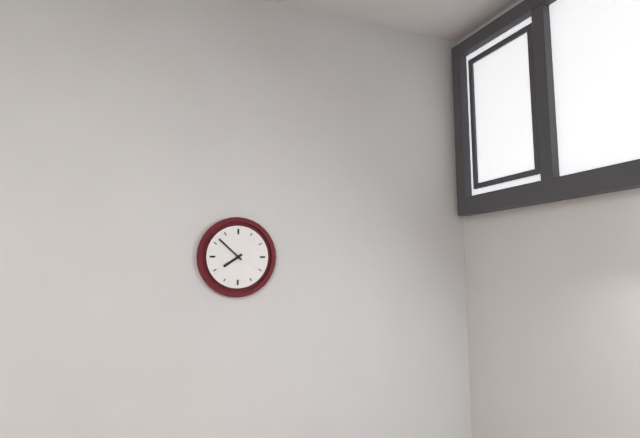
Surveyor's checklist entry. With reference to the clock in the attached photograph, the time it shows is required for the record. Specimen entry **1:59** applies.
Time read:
**7:52**
